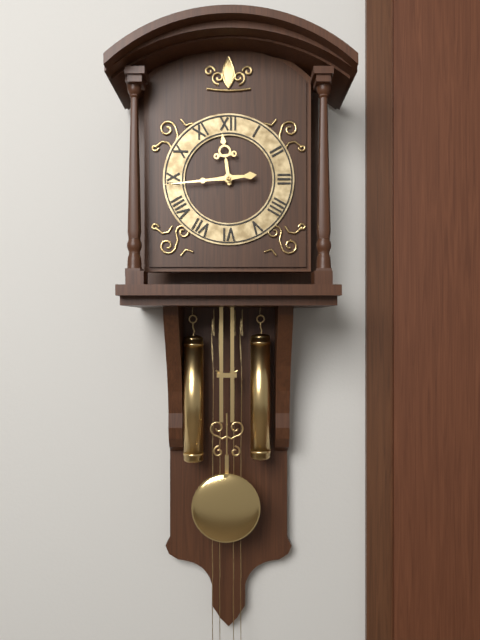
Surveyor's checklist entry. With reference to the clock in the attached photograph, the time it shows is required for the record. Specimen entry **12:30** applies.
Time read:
**11:44**
